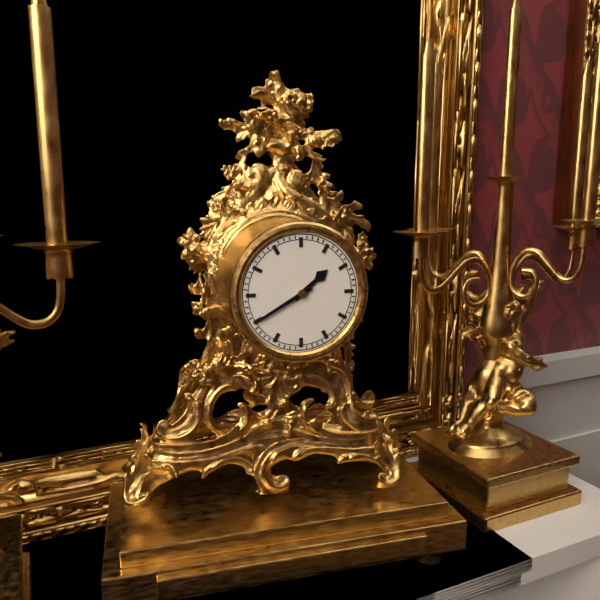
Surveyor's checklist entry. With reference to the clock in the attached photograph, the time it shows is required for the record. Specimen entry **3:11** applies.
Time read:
**1:40**
